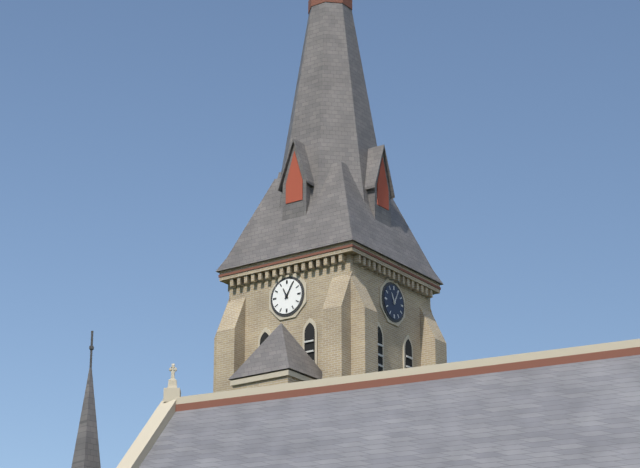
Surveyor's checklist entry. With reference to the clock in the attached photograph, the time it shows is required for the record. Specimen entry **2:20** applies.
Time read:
**11:05**
